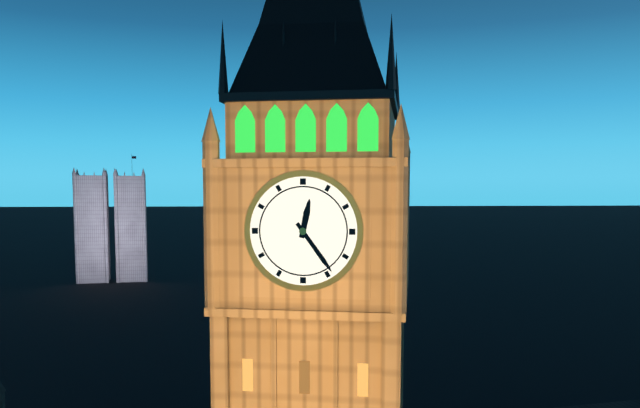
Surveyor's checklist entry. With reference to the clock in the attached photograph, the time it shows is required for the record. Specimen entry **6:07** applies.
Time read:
**12:24**
